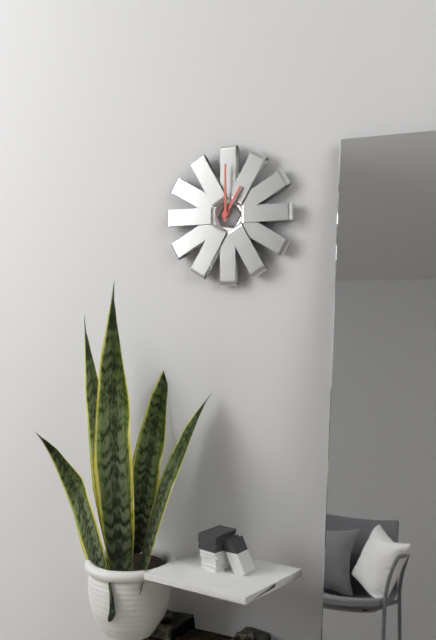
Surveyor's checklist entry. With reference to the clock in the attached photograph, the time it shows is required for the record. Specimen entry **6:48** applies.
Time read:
**1:00**
